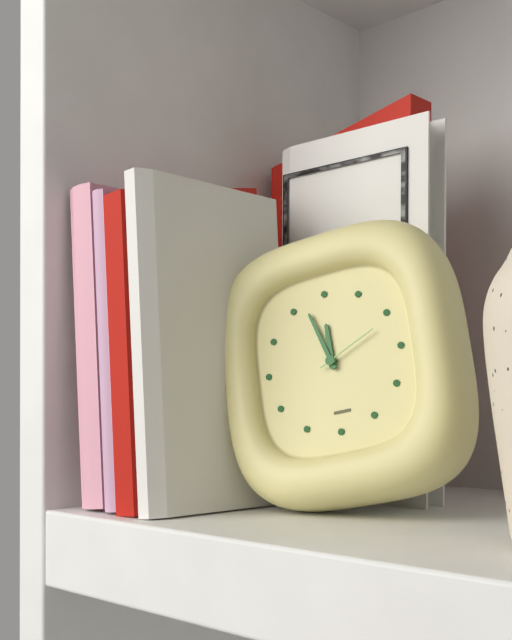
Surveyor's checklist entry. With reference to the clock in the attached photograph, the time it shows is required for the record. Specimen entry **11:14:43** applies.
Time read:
**11:57:11**
